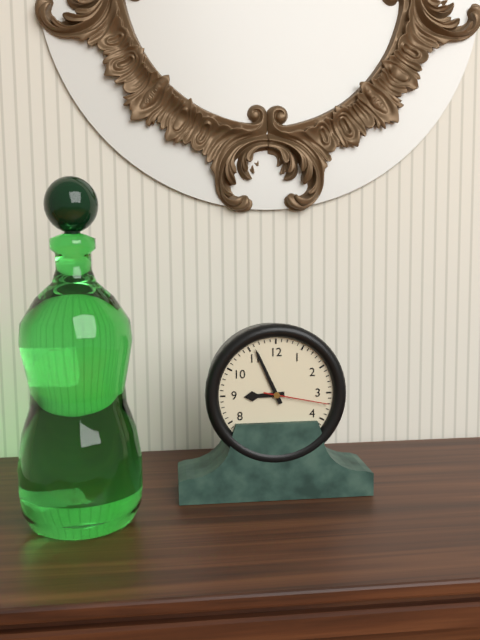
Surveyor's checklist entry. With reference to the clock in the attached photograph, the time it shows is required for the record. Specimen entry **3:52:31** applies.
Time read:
**8:56:17**
